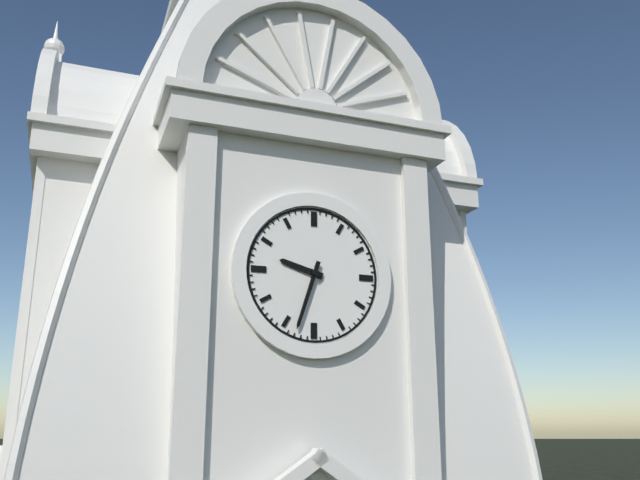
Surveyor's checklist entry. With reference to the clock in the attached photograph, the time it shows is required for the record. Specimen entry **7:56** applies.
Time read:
**9:33**
